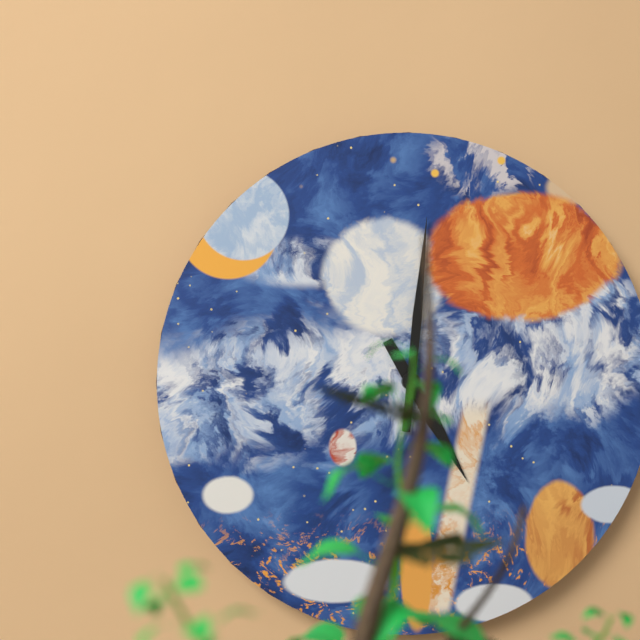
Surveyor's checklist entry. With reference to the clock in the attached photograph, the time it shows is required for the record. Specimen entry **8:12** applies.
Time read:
**5:01**
